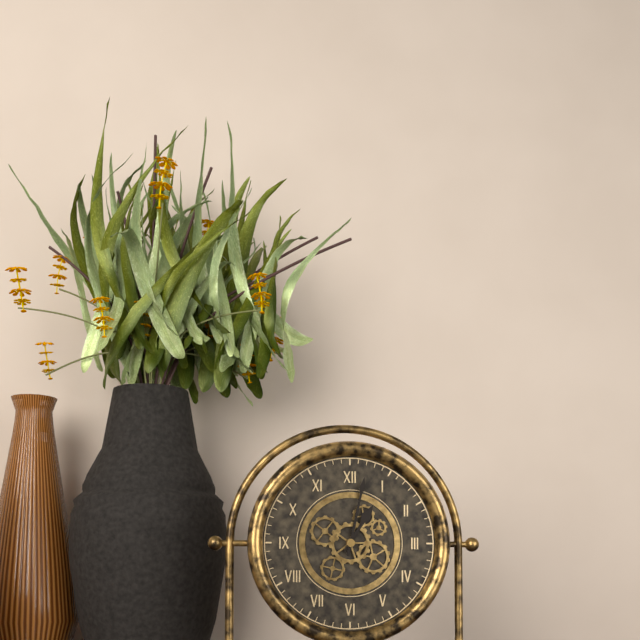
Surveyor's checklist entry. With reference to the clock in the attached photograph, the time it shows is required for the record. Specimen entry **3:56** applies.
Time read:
**1:02**
